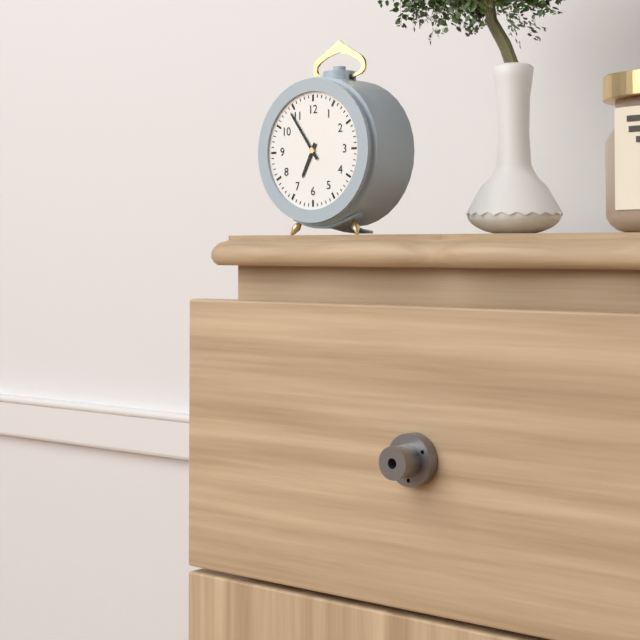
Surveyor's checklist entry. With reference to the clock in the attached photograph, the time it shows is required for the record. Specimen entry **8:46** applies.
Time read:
**6:54**
